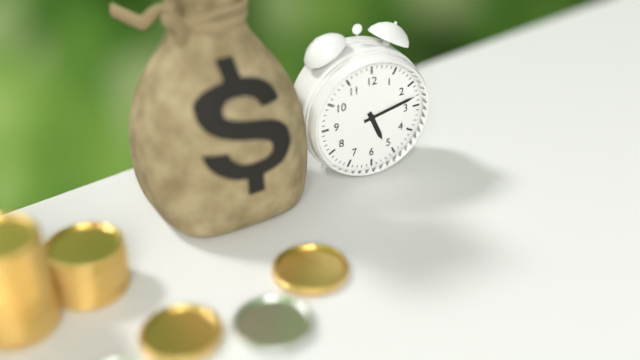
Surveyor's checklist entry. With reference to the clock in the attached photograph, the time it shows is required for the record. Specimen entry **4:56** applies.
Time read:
**5:13**
